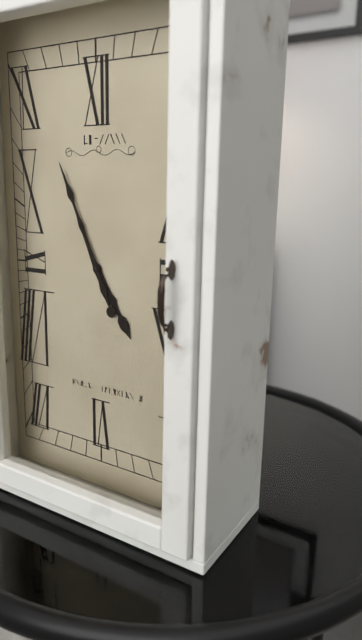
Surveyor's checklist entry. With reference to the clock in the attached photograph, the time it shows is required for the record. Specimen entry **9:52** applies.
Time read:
**4:56**
